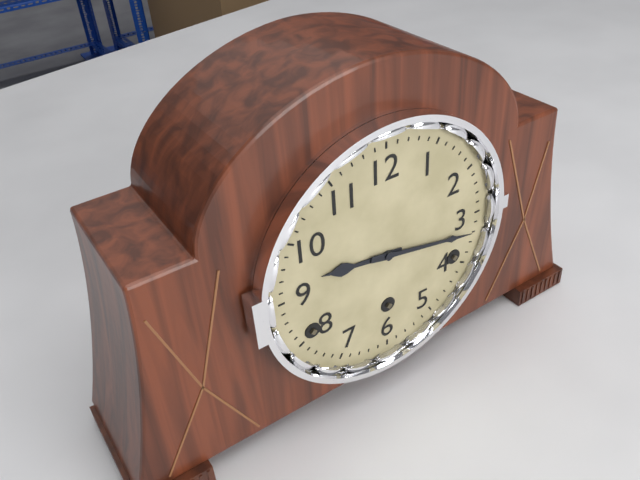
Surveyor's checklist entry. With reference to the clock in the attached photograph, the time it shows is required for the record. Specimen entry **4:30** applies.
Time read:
**9:17**
